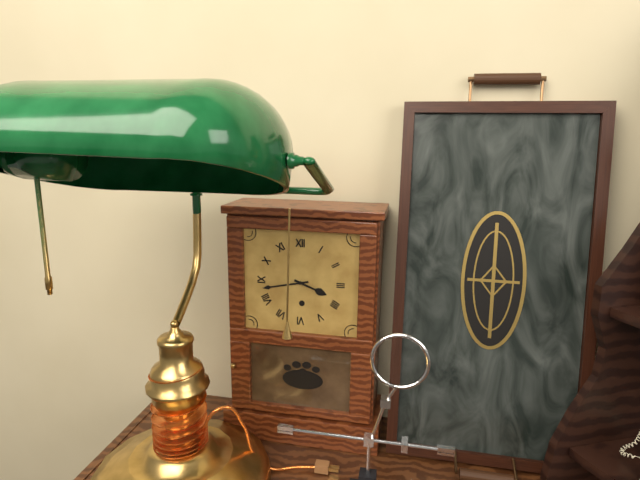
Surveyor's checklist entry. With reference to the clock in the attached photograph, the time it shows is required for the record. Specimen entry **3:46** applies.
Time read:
**3:43**
